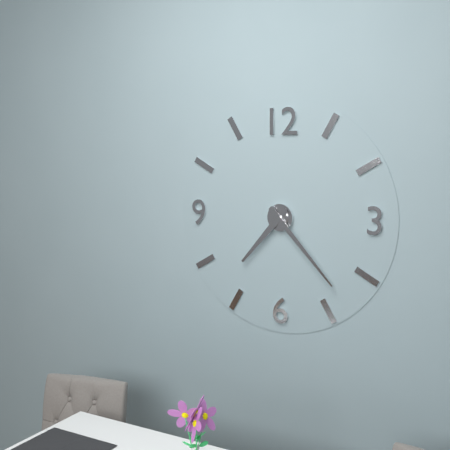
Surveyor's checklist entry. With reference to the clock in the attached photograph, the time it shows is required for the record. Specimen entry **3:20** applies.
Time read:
**7:23**
